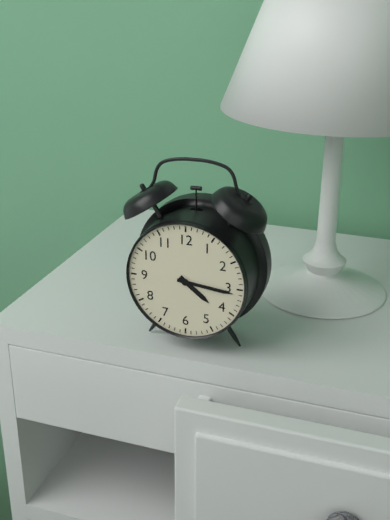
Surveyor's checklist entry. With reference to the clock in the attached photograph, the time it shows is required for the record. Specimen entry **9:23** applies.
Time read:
**4:16**
